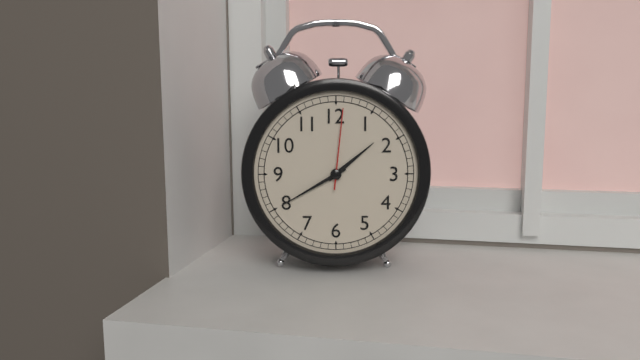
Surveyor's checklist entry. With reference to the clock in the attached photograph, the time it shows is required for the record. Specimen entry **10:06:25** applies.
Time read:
**1:40:01**
